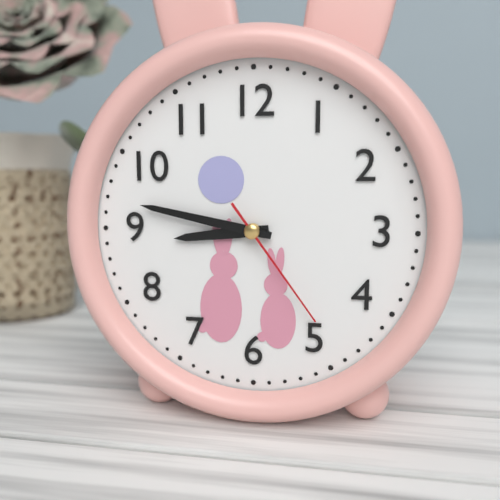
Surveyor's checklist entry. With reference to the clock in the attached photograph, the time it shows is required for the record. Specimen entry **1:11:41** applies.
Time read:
**8:47:24**
